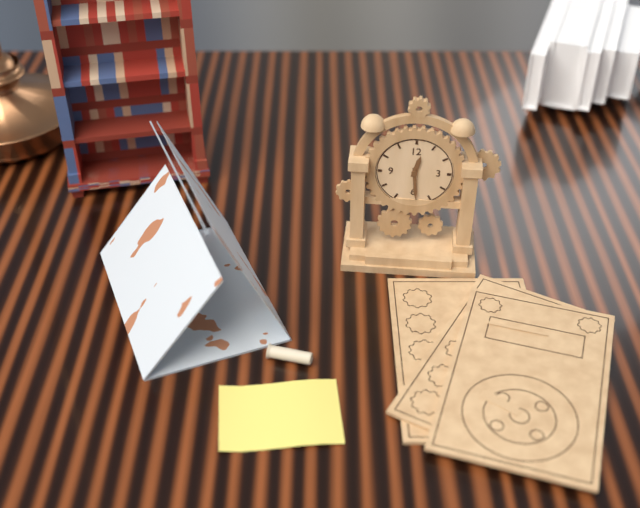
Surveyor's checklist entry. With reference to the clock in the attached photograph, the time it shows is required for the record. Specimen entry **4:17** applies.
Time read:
**12:29**
